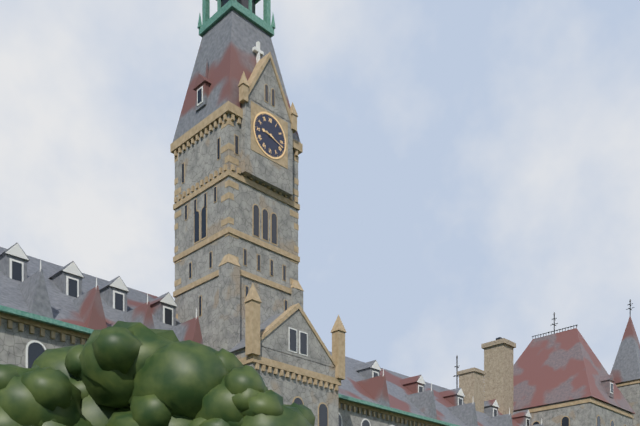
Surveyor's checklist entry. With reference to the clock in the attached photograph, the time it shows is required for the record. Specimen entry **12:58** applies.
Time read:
**9:18**
